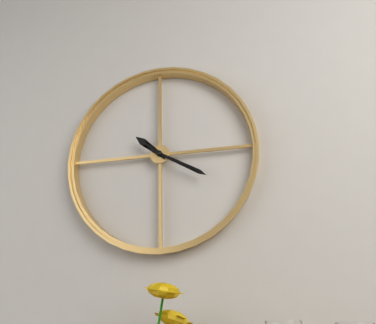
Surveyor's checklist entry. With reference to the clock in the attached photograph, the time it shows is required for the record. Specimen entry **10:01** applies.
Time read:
**10:20**
